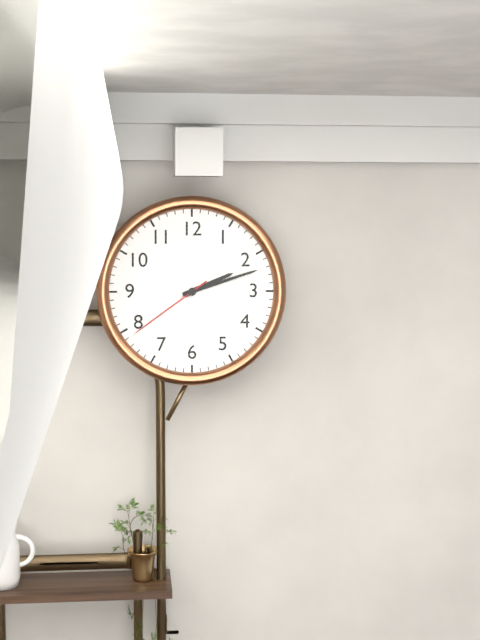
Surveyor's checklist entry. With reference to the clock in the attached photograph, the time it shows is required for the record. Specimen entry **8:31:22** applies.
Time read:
**2:12:39**
